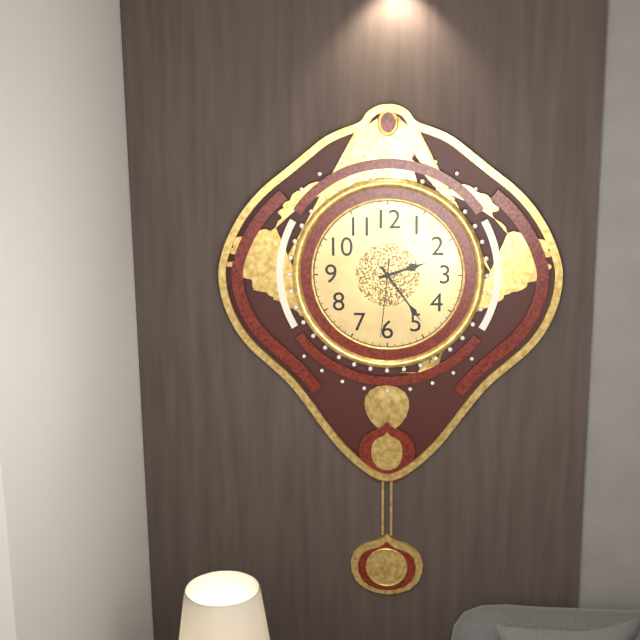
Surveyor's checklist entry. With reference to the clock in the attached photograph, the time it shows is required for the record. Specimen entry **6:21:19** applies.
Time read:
**2:24:31**
